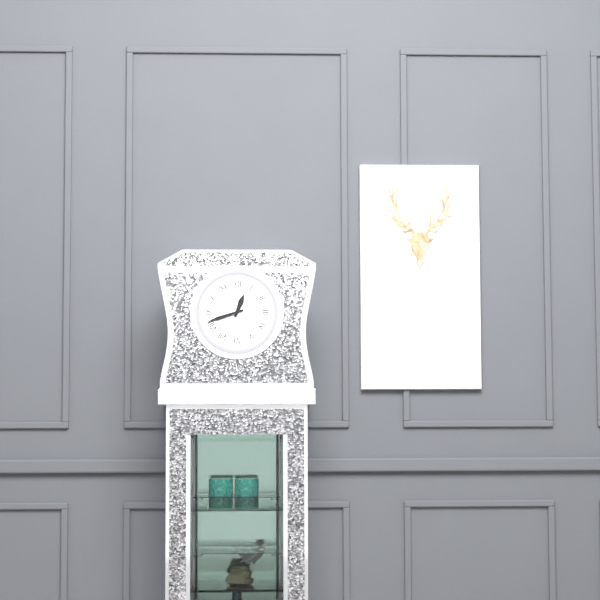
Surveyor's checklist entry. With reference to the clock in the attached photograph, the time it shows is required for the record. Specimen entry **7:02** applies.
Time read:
**12:42**
